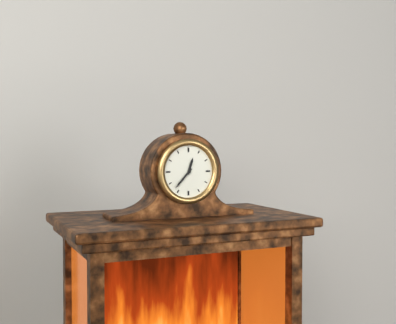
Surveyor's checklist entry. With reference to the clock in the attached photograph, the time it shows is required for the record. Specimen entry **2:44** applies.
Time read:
**12:37**
